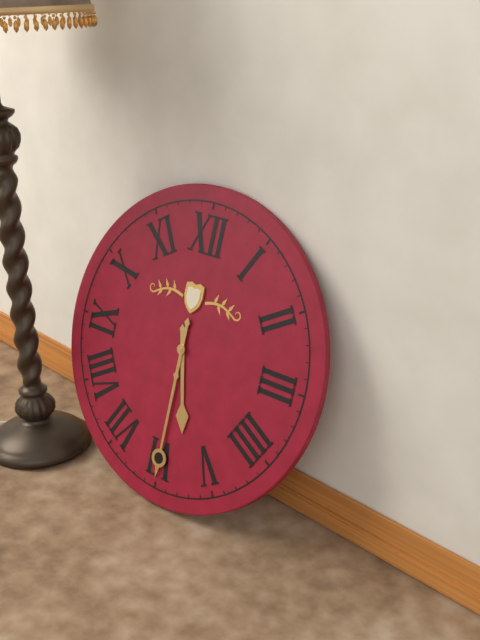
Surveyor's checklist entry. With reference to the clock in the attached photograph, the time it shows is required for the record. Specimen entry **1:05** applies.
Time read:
**5:30**
